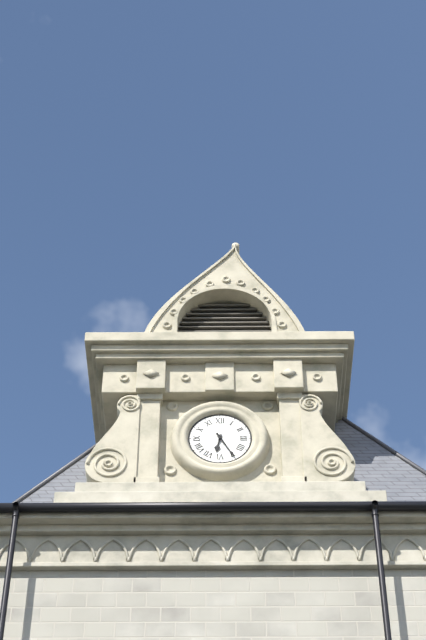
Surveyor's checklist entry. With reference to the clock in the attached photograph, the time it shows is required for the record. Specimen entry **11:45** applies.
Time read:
**6:25**
